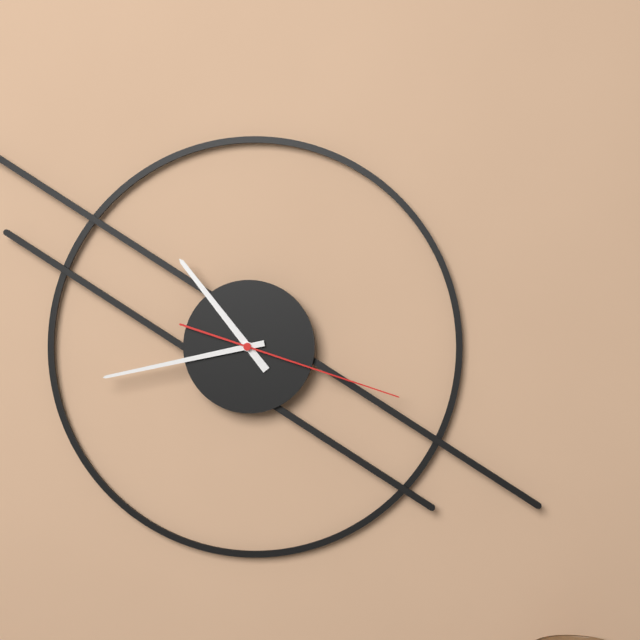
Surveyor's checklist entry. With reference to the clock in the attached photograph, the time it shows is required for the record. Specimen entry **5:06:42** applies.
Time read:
**10:43:18**
